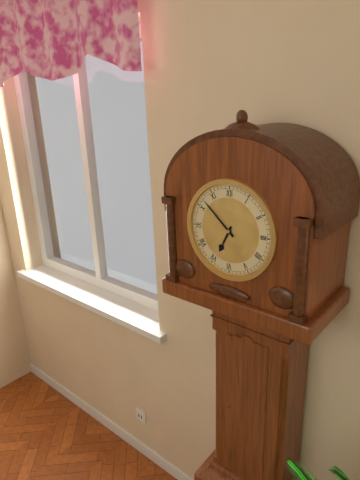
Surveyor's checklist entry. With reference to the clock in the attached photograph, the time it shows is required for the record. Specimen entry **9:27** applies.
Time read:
**6:52**
